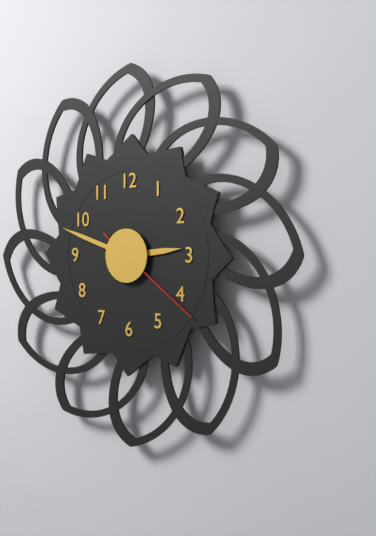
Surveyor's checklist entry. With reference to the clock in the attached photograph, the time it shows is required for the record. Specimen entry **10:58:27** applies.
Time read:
**2:48:21**
